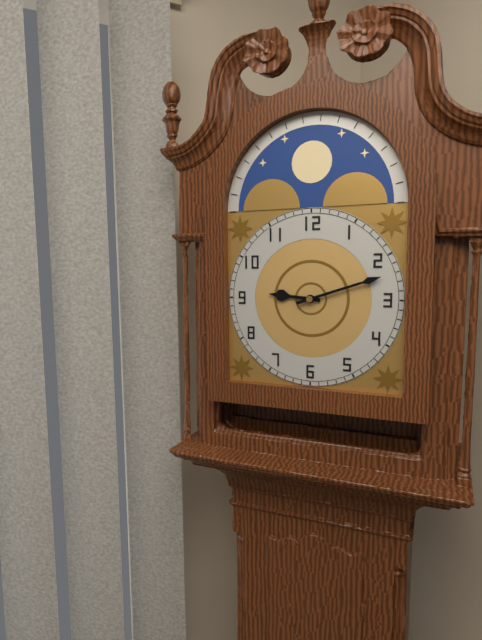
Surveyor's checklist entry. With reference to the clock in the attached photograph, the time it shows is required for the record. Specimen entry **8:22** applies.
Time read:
**9:12**
